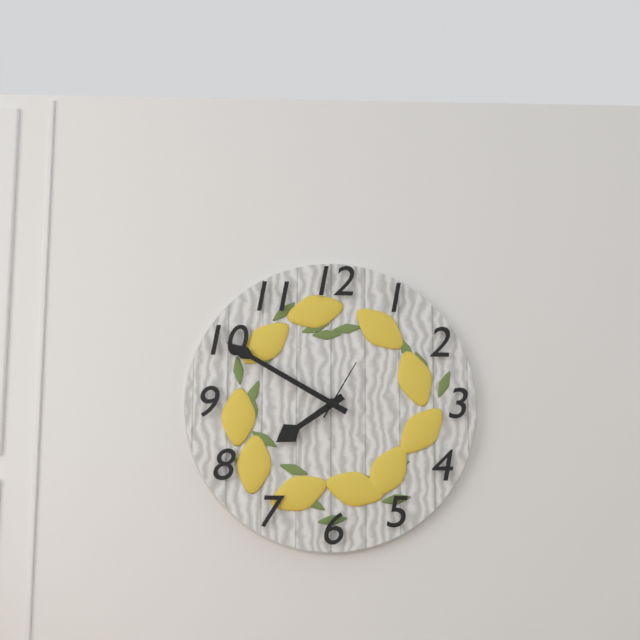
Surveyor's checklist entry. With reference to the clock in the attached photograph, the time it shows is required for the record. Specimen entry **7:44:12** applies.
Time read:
**7:50:05**
